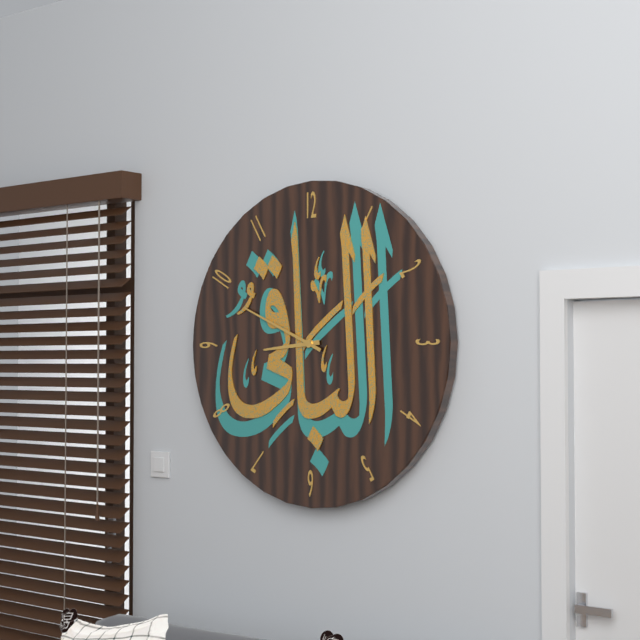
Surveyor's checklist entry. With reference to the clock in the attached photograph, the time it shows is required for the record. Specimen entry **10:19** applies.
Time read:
**8:49**
